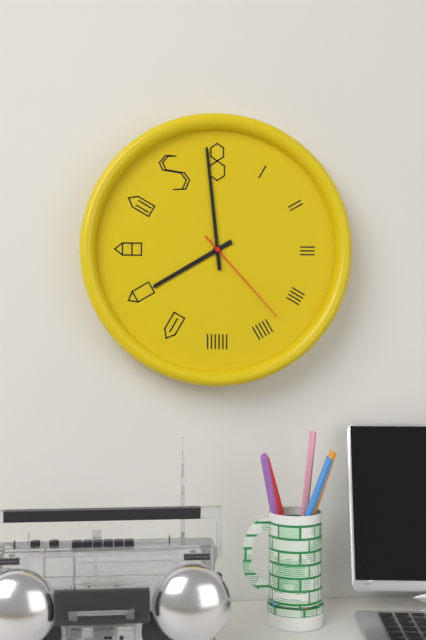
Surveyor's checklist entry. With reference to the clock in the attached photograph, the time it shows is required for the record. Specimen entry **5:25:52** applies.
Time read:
**7:59:23**
